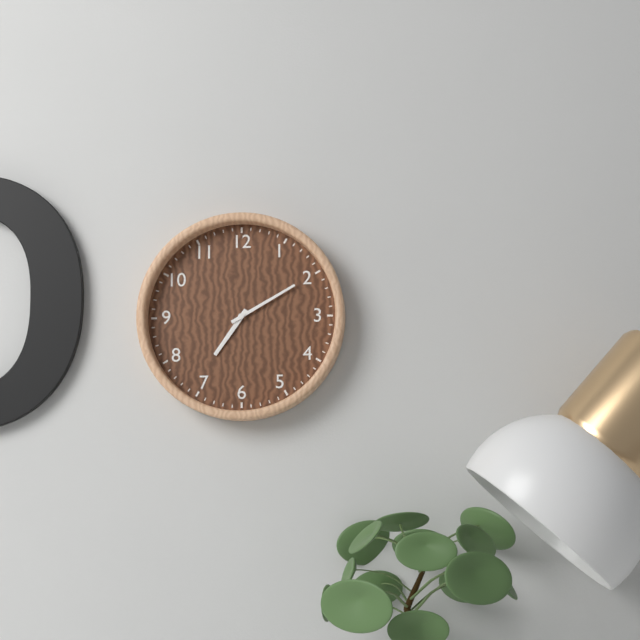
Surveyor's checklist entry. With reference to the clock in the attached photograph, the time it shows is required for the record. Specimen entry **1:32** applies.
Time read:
**7:10**
